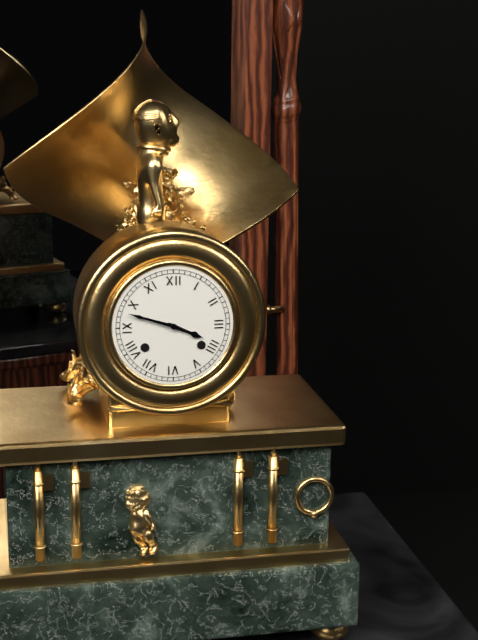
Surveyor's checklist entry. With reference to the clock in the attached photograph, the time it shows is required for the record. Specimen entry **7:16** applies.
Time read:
**3:48**
